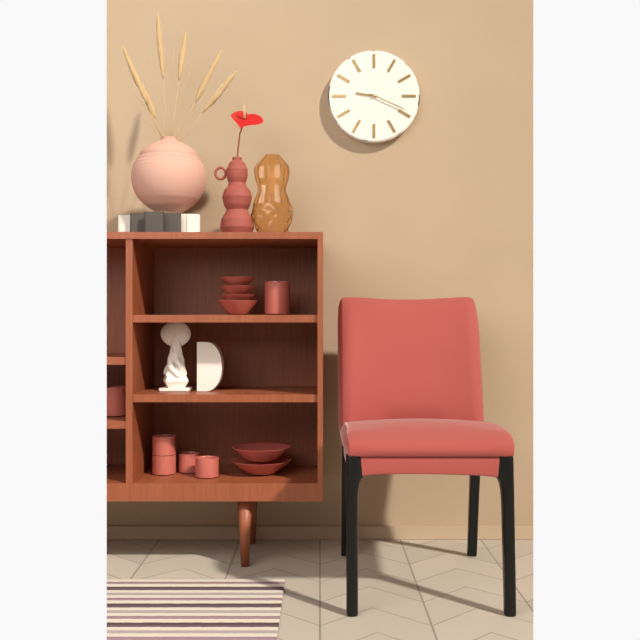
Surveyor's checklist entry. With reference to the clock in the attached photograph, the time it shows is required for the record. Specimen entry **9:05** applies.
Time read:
**9:19**
